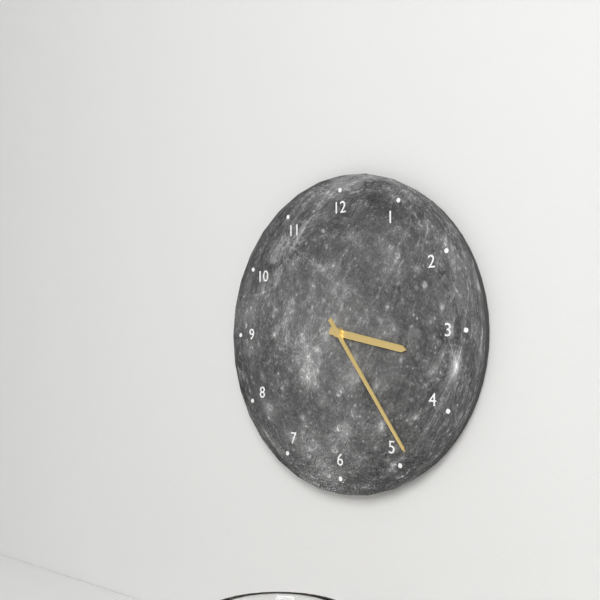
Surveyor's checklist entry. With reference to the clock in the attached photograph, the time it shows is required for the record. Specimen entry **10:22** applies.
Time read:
**3:24**
